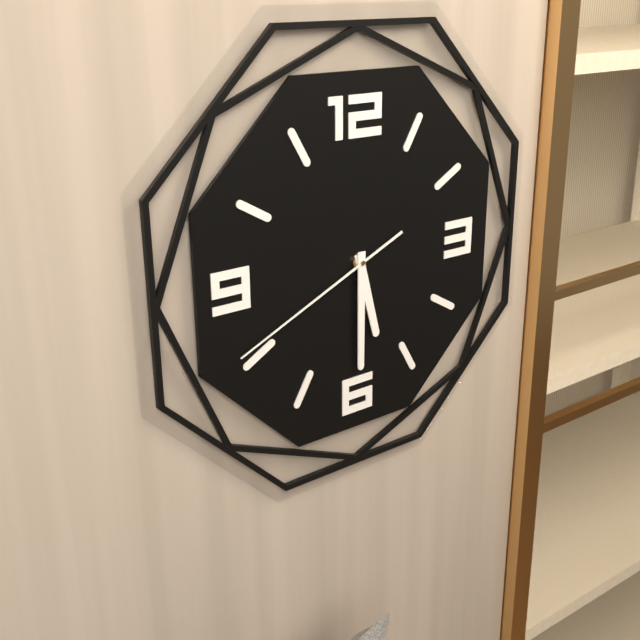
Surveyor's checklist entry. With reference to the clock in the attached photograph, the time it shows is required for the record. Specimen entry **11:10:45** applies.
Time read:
**5:30:41**
